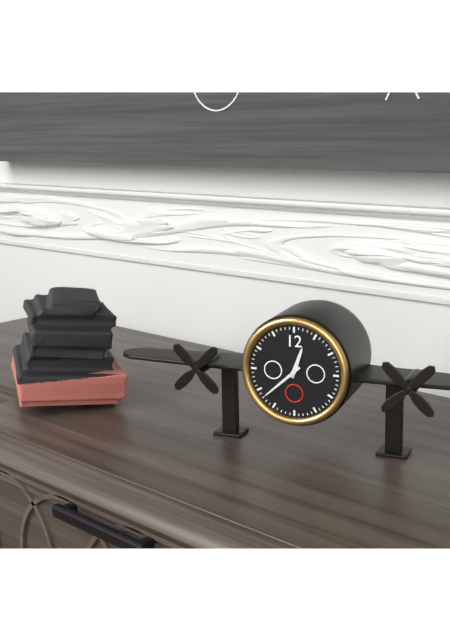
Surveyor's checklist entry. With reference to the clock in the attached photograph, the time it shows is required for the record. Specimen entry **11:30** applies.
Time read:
**12:38**
